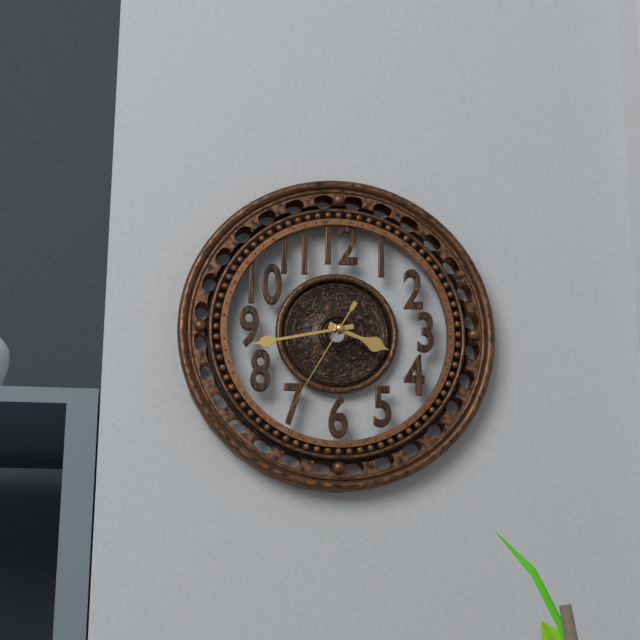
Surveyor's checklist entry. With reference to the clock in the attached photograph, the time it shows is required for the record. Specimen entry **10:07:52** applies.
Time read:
**3:43:35**
